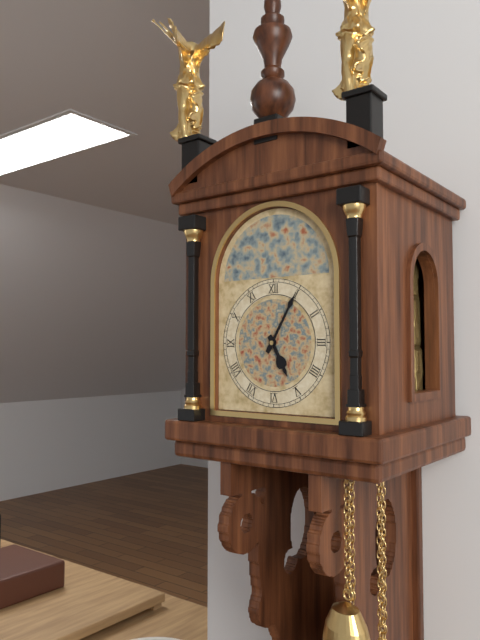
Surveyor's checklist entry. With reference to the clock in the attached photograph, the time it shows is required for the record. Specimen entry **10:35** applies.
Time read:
**5:05**
